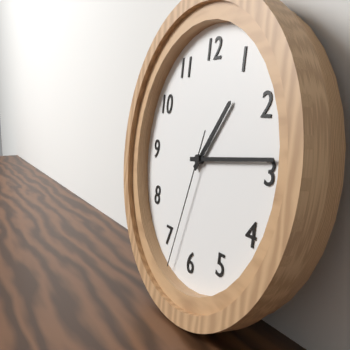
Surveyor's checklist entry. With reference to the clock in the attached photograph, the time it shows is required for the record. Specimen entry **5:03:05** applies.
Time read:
**1:14:33**
